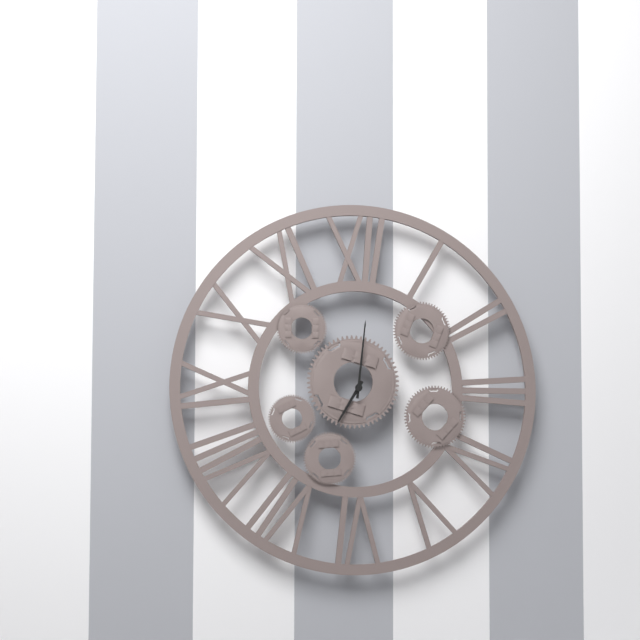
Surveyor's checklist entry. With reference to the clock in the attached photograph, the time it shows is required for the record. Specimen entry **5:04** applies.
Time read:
**7:01**
